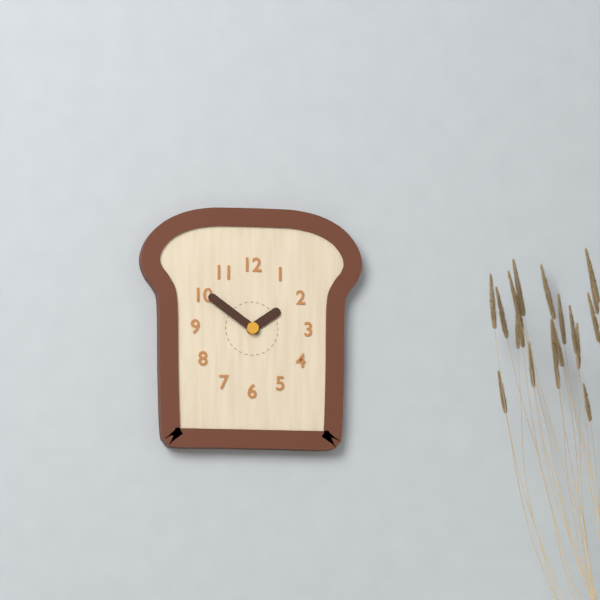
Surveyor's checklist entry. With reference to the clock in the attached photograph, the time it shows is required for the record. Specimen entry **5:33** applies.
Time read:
**1:51**
